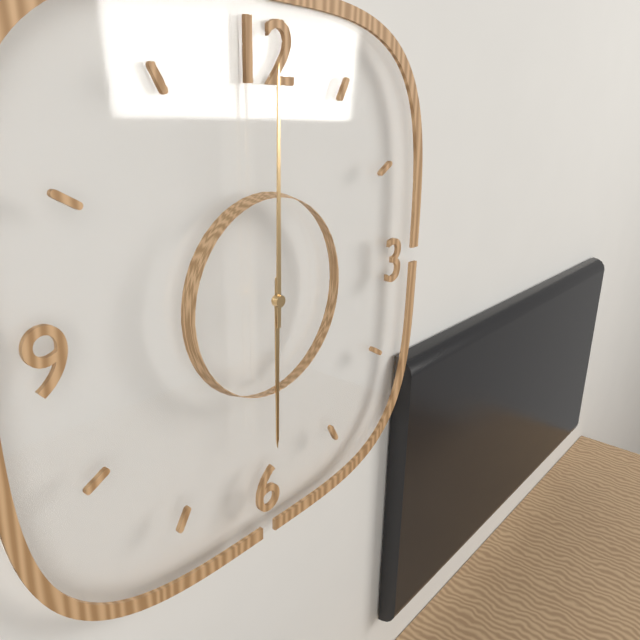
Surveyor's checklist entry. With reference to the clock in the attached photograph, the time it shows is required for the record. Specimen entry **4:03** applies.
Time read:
**6:00**
